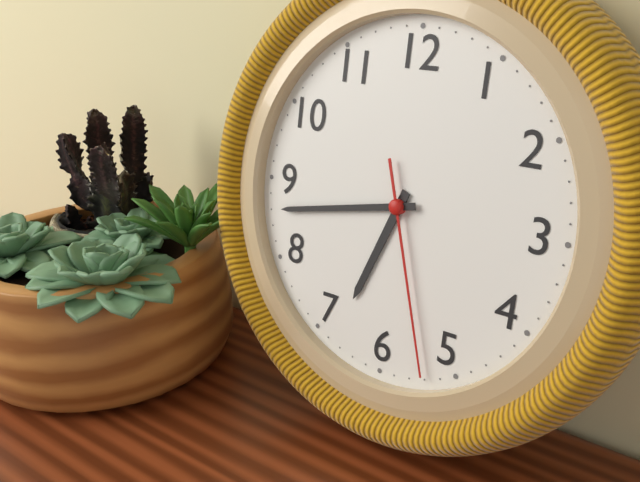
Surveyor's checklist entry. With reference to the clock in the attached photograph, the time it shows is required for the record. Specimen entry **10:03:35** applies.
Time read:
**6:43:27**
